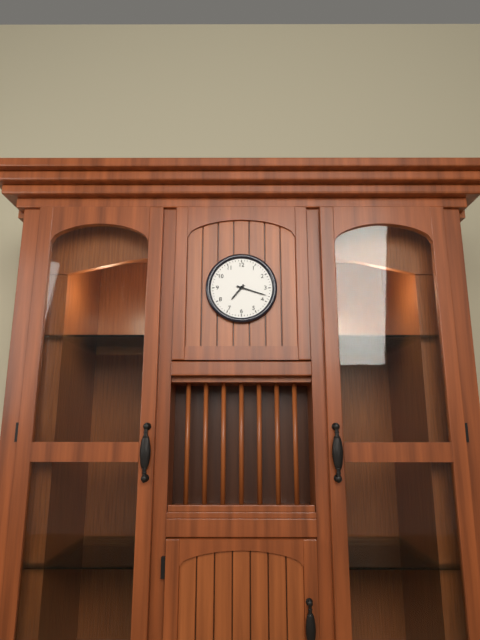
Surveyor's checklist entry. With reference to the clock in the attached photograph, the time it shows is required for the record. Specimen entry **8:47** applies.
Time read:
**7:18**
